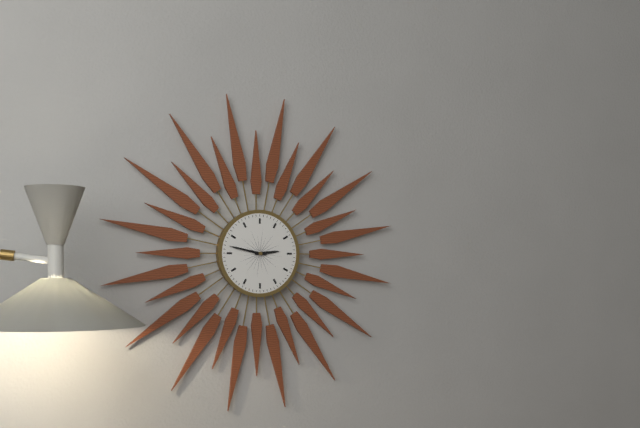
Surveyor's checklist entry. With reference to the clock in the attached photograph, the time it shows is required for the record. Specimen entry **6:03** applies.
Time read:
**2:47**
